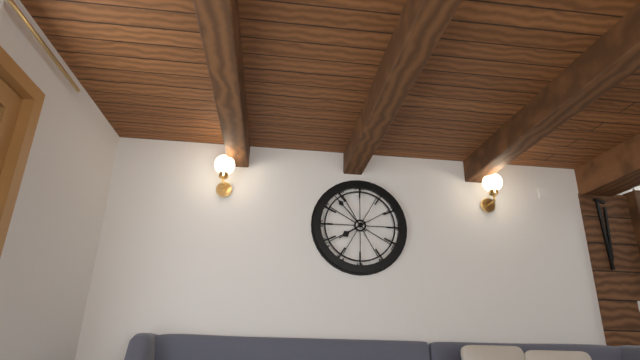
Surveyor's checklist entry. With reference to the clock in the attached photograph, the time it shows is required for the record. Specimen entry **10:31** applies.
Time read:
**7:53**
